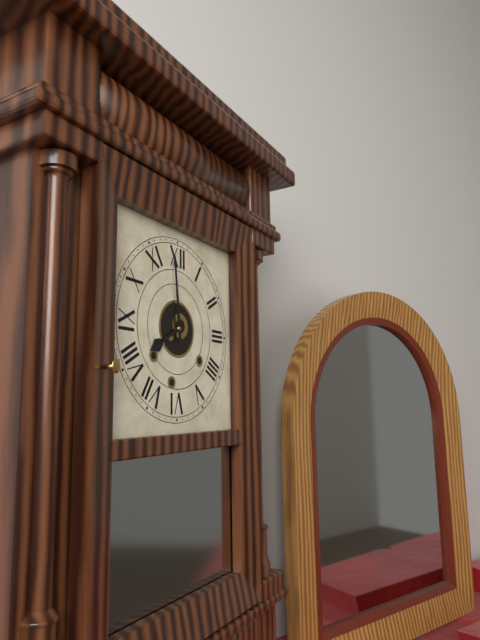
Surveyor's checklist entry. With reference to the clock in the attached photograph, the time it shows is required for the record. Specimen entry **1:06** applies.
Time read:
**7:59**
